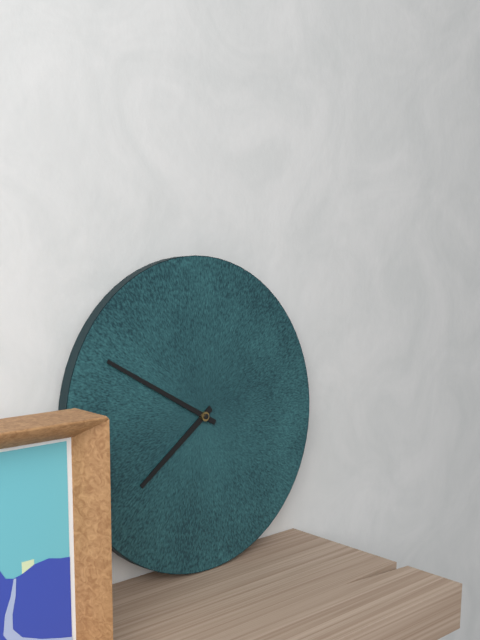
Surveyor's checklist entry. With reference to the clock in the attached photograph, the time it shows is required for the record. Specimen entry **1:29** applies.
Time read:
**7:50**
